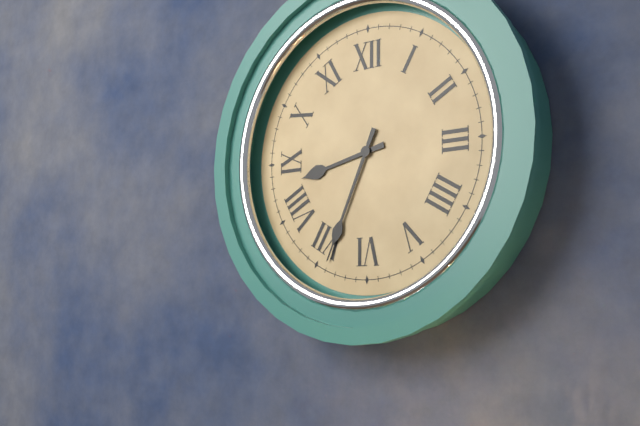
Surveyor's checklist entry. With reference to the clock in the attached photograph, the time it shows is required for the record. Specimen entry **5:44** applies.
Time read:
**8:34**
